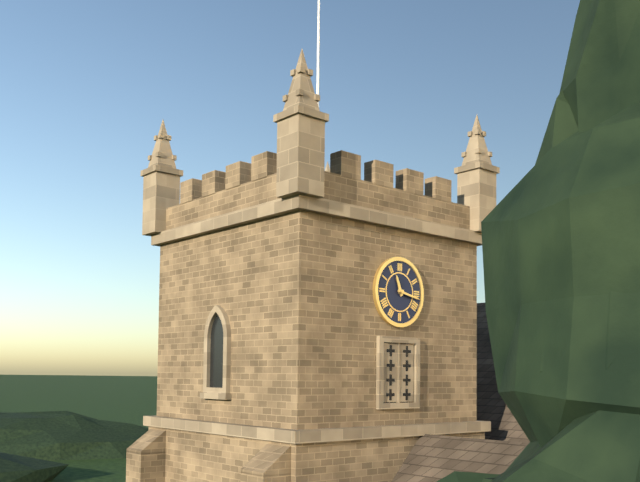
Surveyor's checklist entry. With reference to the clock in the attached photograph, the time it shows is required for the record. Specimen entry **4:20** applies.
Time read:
**11:17**
